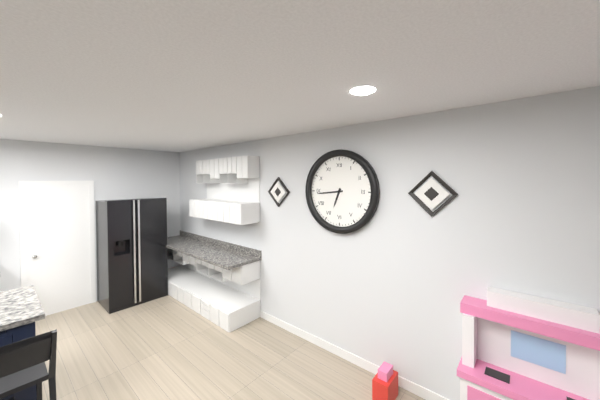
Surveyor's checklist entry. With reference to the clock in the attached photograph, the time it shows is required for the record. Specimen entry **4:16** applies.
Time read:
**6:44**
